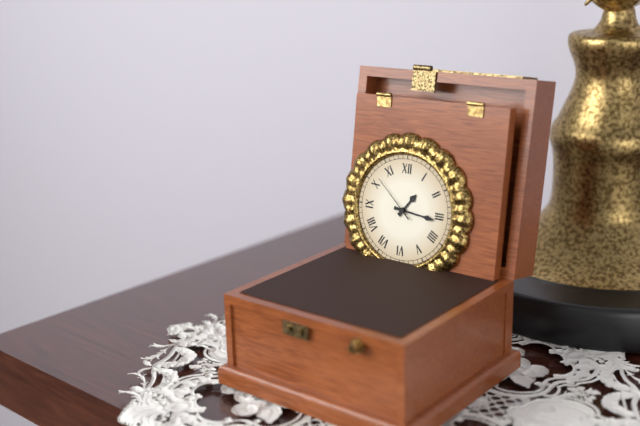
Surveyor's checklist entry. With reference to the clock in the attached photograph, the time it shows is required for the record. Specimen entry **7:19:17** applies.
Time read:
**1:16:52**
